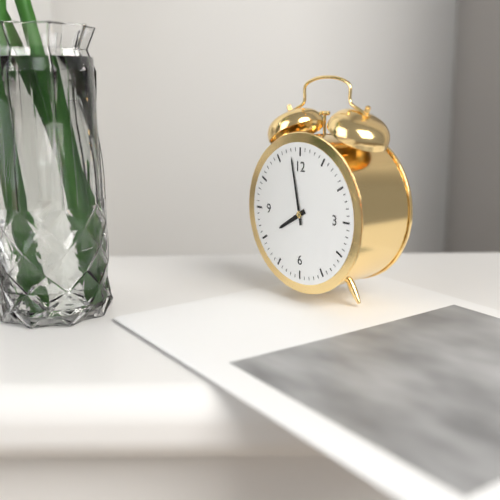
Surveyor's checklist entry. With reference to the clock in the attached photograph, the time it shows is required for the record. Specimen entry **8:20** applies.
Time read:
**7:58**
